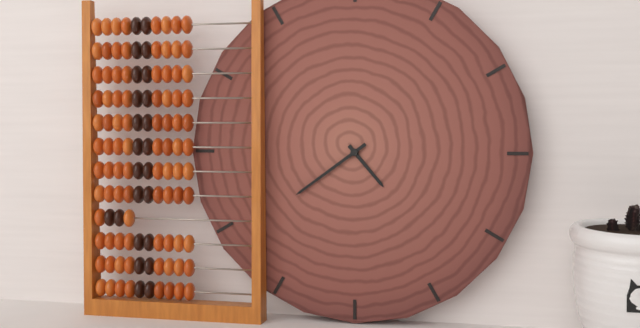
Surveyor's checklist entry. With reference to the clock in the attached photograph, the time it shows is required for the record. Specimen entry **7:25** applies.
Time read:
**4:39**
